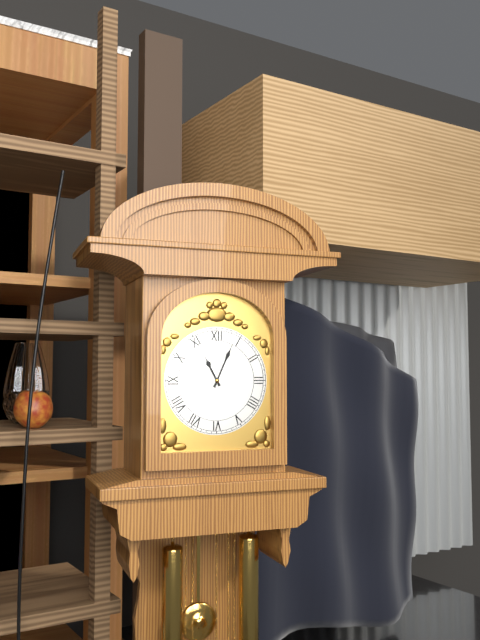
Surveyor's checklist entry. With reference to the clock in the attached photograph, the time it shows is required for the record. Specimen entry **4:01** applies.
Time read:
**11:04**
